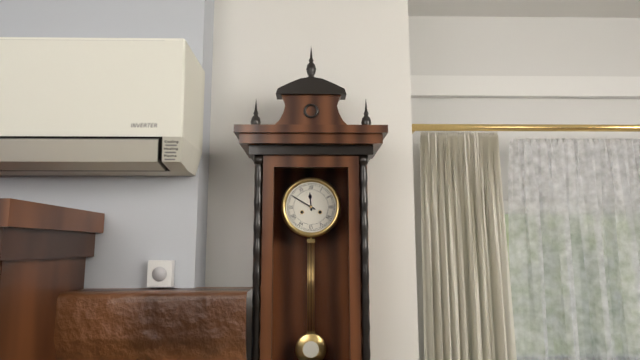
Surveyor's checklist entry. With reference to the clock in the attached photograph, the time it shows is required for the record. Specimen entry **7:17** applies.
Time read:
**11:50**
